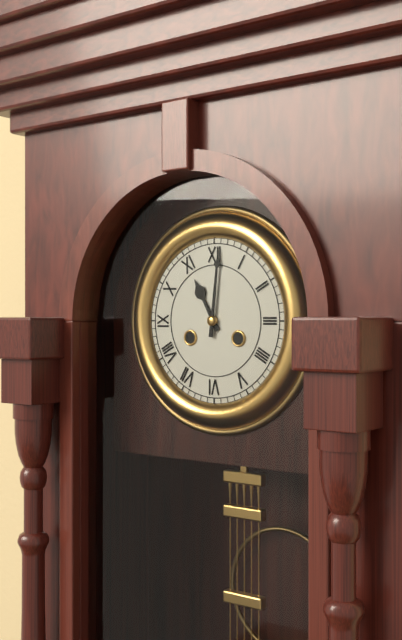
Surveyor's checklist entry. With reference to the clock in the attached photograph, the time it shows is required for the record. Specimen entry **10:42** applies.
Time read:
**11:01**
